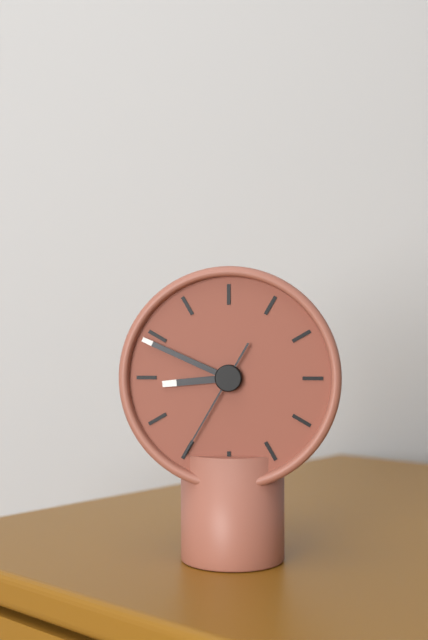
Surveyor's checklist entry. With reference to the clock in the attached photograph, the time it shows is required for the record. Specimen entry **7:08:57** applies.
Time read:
**8:49:35**
